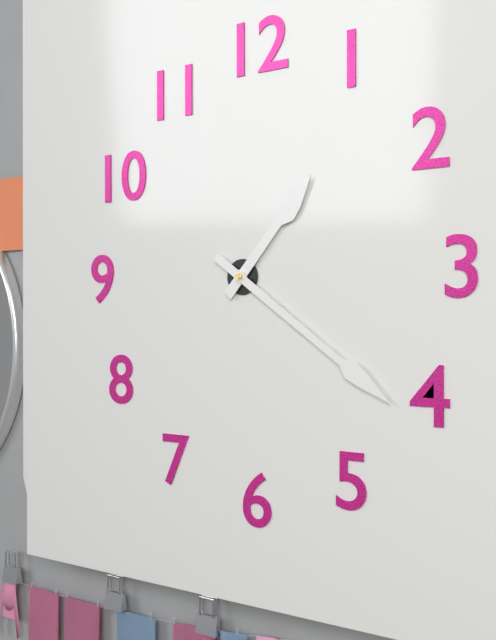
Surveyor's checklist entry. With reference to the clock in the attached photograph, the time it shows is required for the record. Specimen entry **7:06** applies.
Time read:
**1:21**
